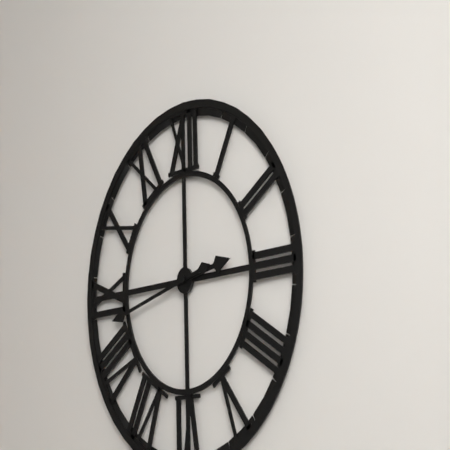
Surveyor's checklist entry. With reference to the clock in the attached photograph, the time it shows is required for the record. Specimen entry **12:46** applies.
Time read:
**2:43**
